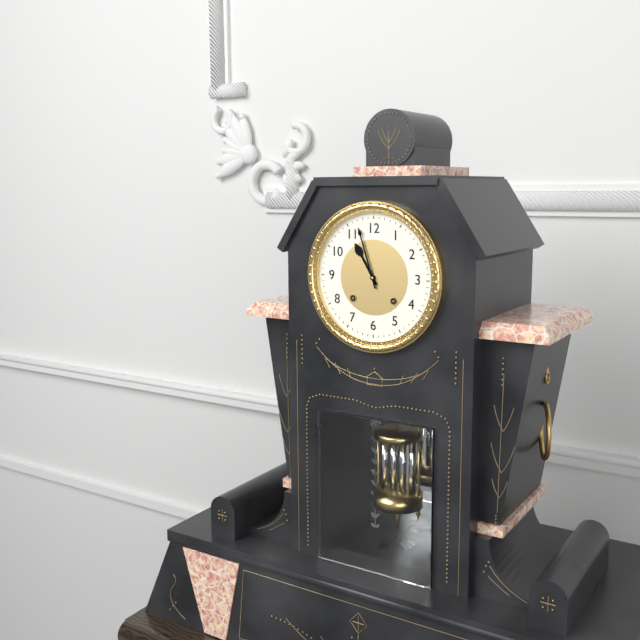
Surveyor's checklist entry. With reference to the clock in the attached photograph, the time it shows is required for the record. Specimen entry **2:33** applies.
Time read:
**10:57**
